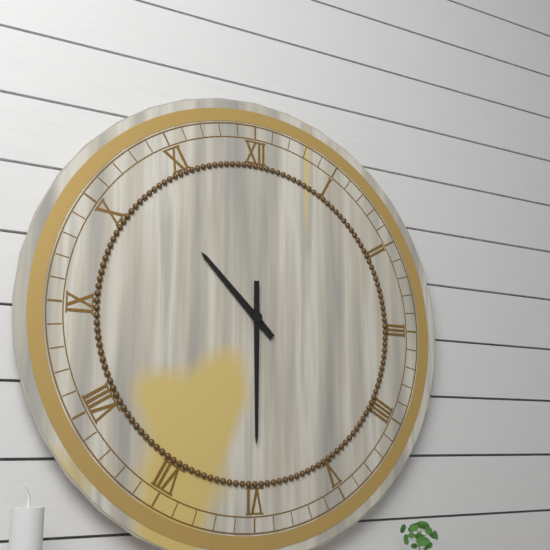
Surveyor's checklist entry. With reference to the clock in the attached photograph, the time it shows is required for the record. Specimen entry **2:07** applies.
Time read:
**10:30**
